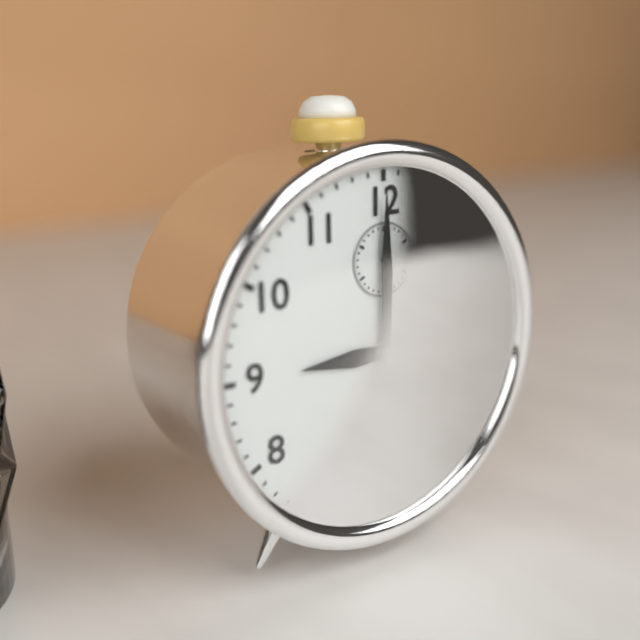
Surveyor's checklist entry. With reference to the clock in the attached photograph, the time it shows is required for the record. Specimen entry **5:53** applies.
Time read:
**9:00**
